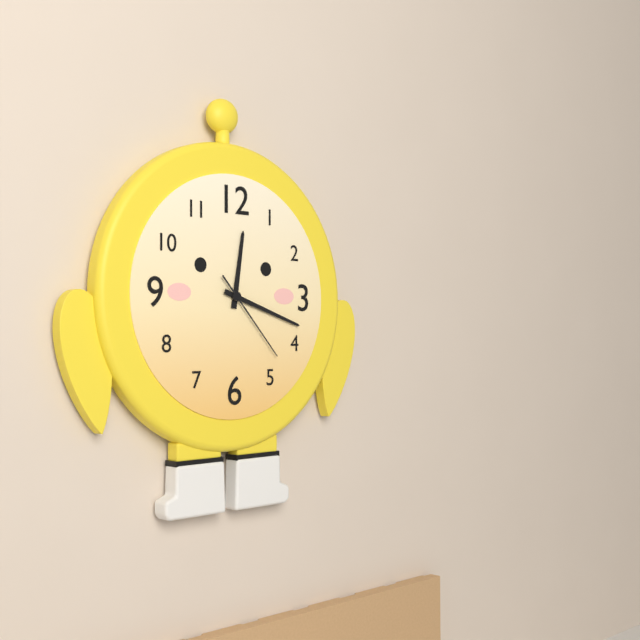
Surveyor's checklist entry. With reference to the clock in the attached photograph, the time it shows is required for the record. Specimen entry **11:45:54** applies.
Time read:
**12:18:23**
